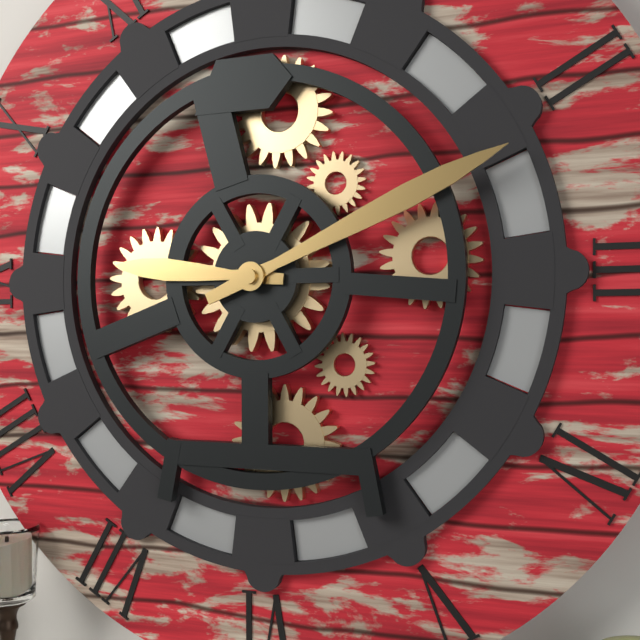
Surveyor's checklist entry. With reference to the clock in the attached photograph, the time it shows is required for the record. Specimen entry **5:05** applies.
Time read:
**9:11**
